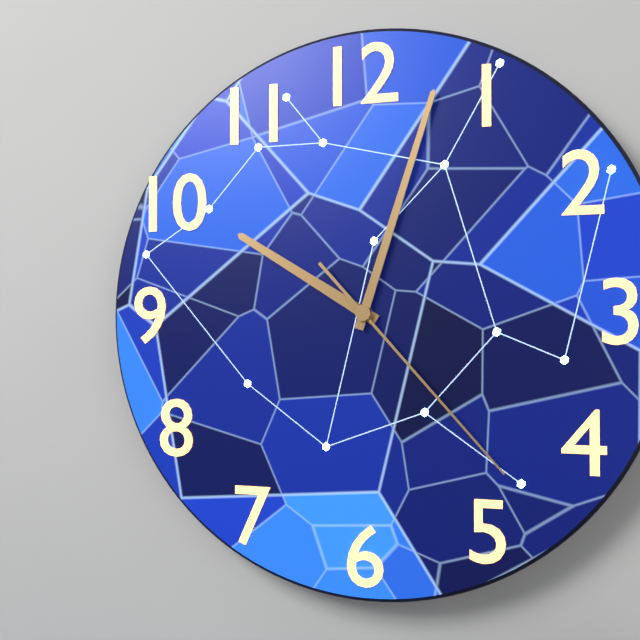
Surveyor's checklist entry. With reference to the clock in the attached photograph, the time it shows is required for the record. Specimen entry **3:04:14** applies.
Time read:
**10:03:23**
